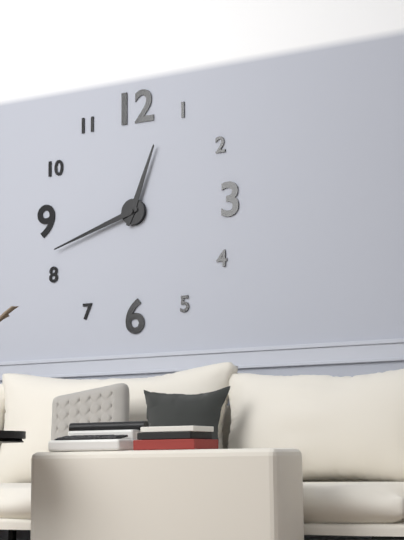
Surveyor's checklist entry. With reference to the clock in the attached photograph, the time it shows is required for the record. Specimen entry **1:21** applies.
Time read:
**12:42**
